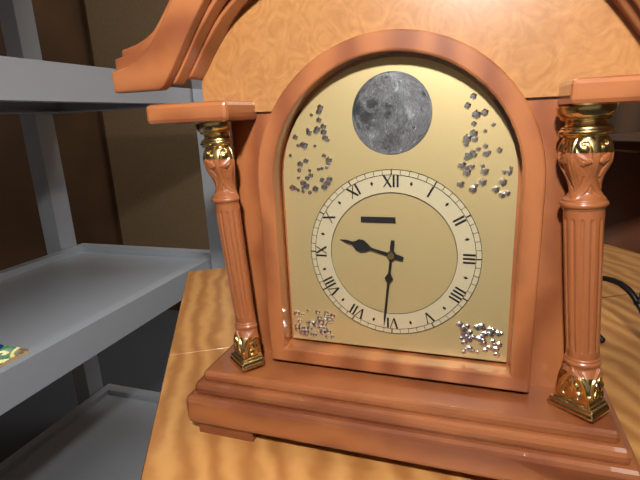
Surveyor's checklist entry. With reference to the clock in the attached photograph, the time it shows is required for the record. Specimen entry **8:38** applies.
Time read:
**9:31**
